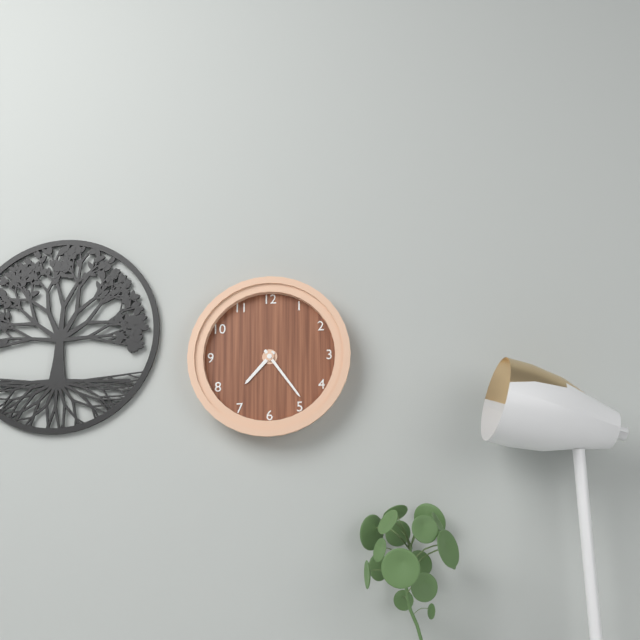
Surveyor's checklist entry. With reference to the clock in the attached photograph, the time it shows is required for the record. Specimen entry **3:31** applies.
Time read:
**7:24**
